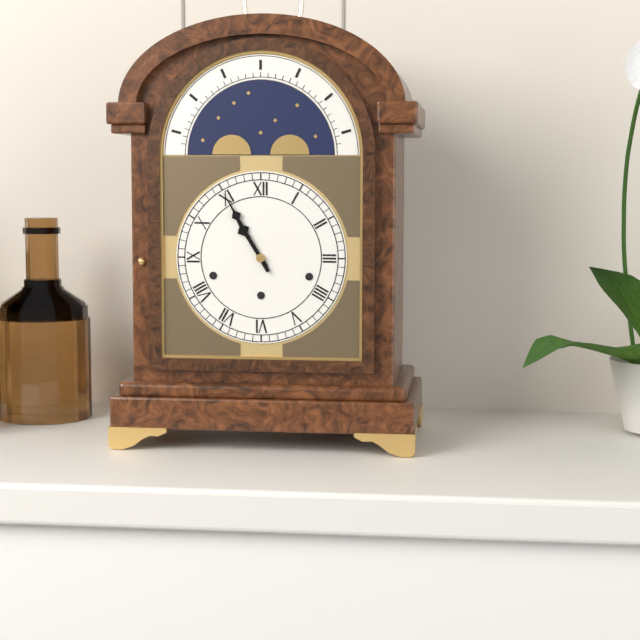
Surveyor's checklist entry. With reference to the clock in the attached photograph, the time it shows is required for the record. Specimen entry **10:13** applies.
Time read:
**10:55**
